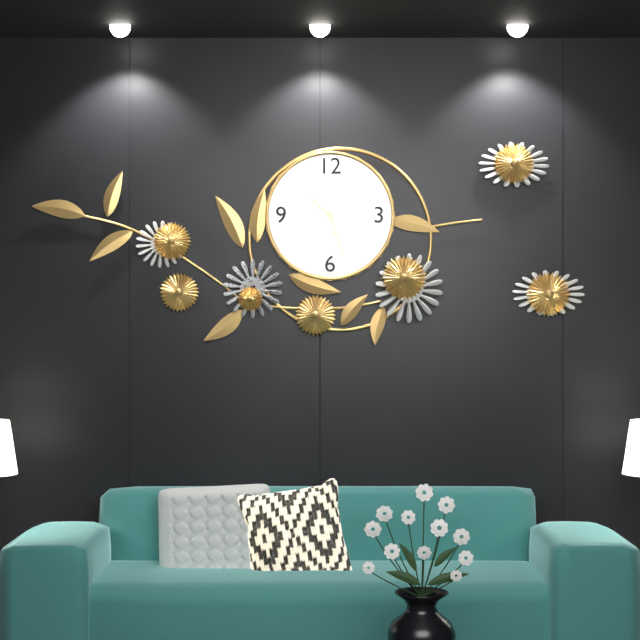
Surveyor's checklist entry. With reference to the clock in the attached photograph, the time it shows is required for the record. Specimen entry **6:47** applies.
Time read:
**10:27**
